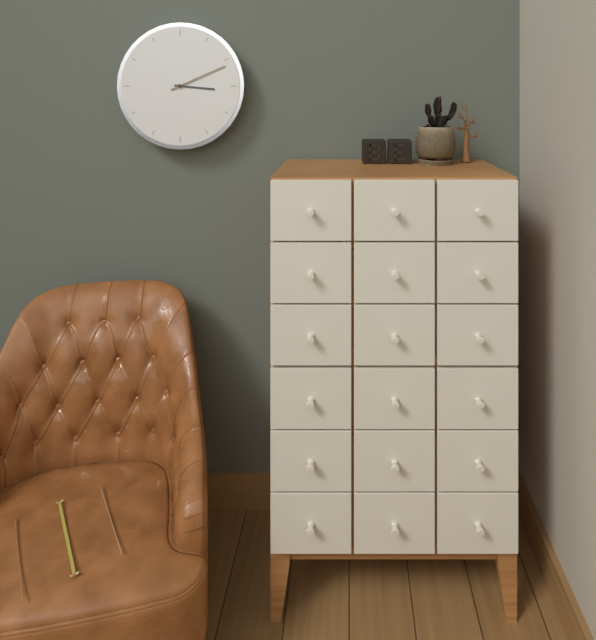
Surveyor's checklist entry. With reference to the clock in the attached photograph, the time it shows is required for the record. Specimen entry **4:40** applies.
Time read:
**3:11**
